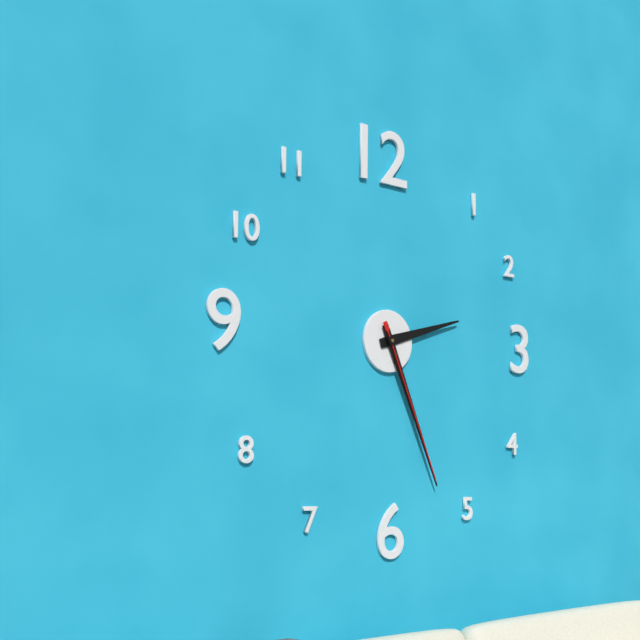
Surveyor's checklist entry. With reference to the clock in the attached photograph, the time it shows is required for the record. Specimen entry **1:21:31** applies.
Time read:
**2:26:26**
